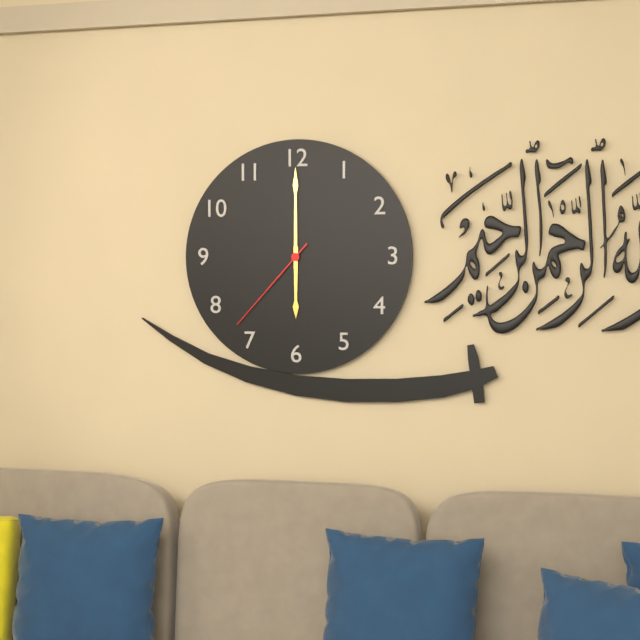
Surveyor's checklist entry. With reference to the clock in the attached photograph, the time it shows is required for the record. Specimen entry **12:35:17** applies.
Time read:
**6:00:37**
